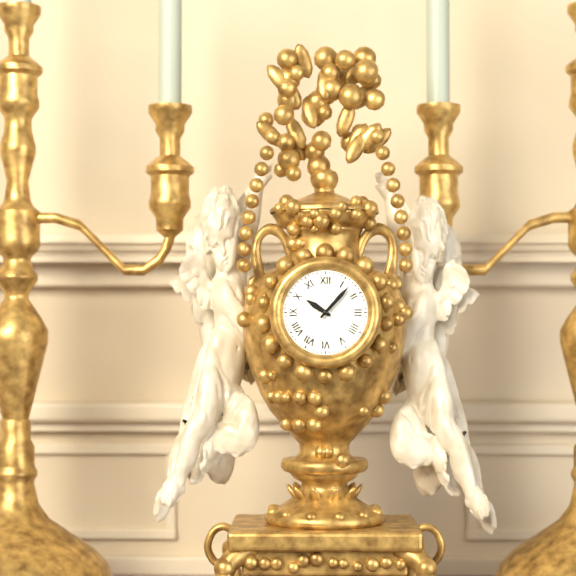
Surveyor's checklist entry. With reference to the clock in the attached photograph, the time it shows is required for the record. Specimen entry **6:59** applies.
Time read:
**10:07**
